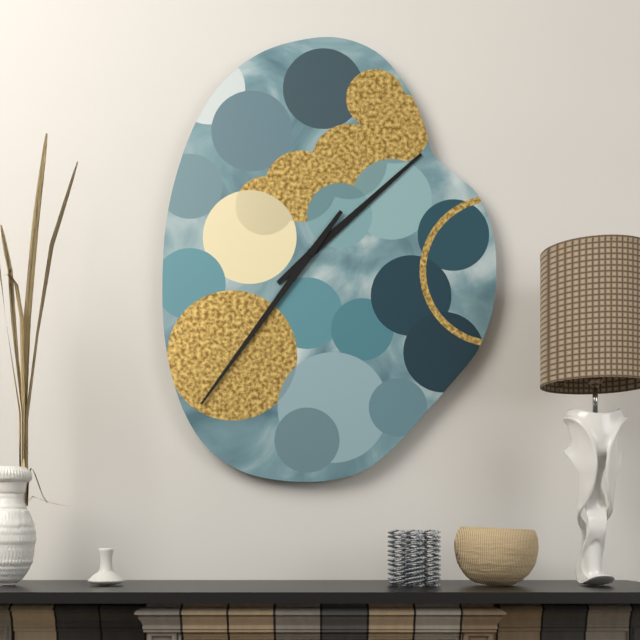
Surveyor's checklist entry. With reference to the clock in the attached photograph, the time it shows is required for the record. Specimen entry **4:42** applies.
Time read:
**1:36**
